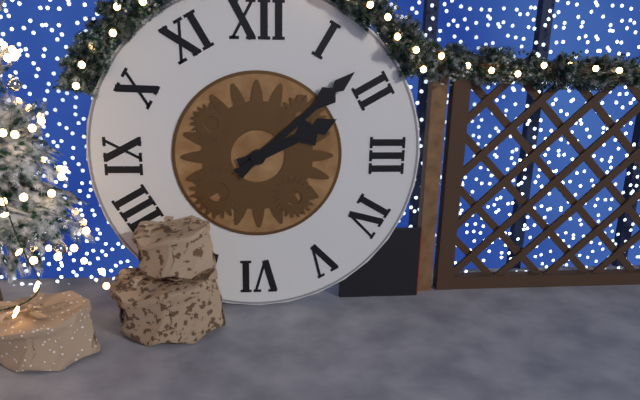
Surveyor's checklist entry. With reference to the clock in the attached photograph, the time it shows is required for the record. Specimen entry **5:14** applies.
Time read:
**2:08**
